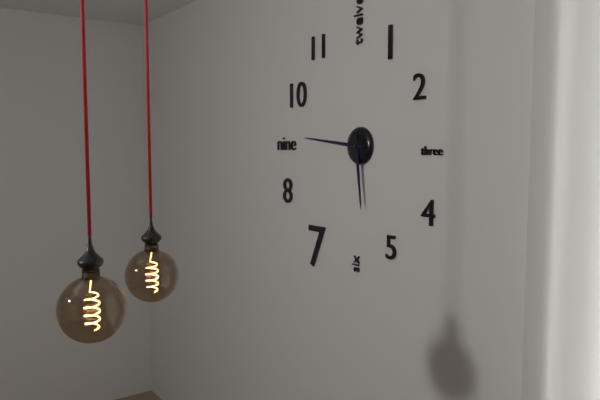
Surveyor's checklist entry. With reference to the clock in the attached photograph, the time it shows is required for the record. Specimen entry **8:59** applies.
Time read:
**5:46**
